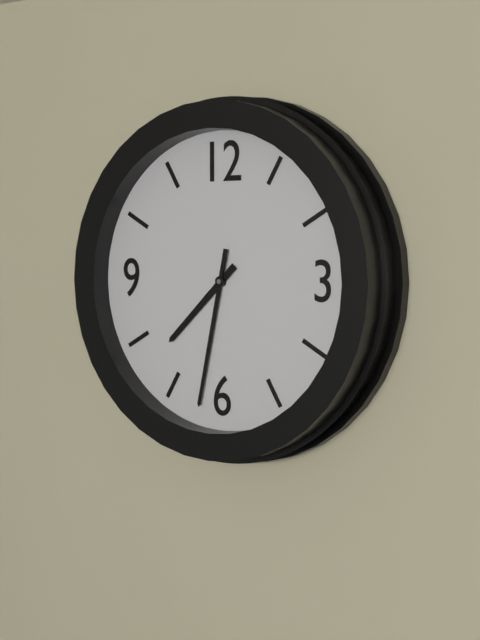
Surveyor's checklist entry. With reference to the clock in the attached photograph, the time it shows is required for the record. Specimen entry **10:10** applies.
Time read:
**7:32**
